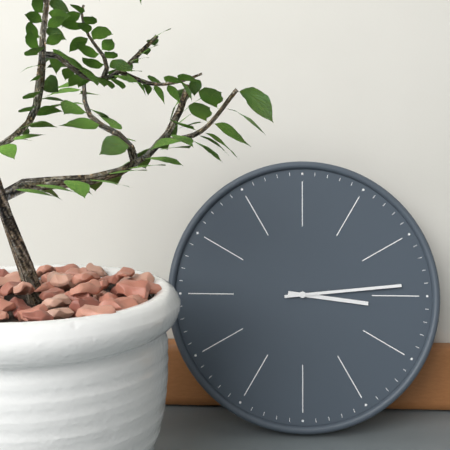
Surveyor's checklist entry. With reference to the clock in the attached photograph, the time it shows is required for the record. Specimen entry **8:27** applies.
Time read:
**3:14**
